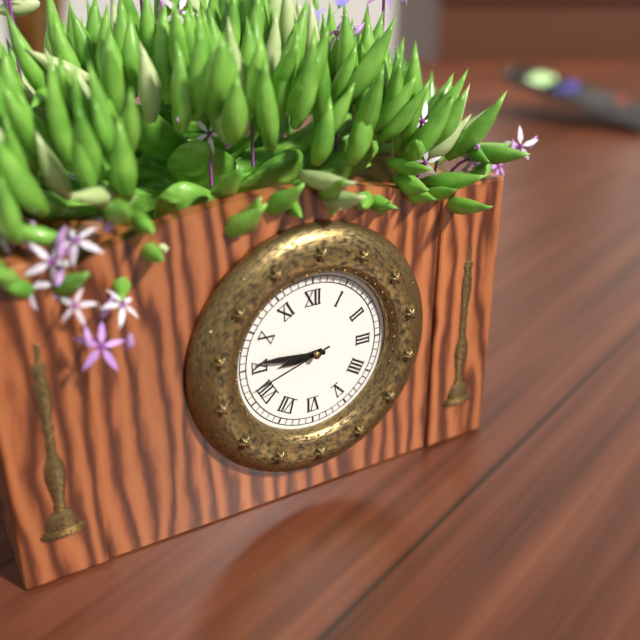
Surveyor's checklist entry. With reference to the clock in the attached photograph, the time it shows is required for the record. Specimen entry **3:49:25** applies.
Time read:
**8:46:42**
